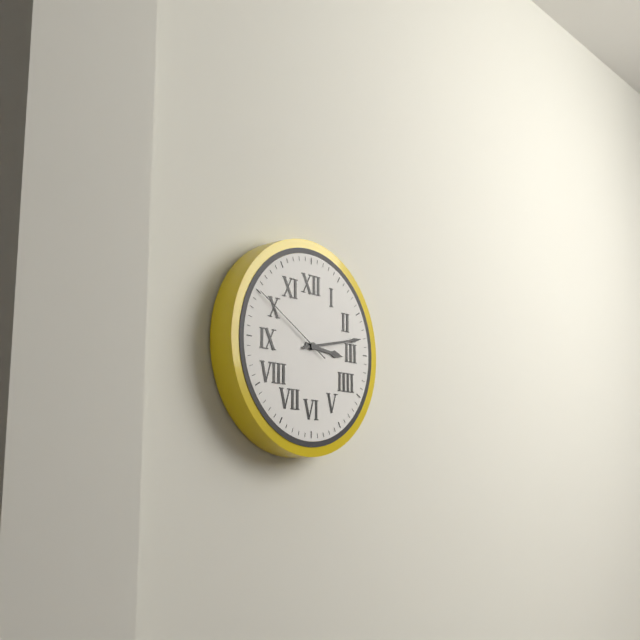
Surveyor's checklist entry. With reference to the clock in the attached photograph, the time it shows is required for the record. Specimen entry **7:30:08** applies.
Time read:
**3:13:50**
